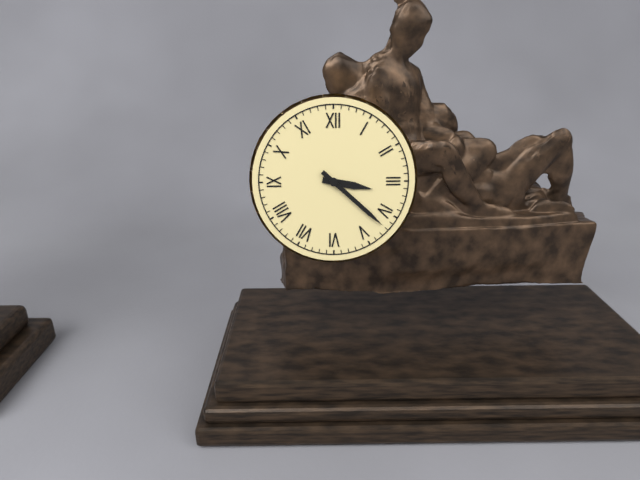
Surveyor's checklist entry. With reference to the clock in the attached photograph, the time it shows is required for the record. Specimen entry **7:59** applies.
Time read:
**3:22**
